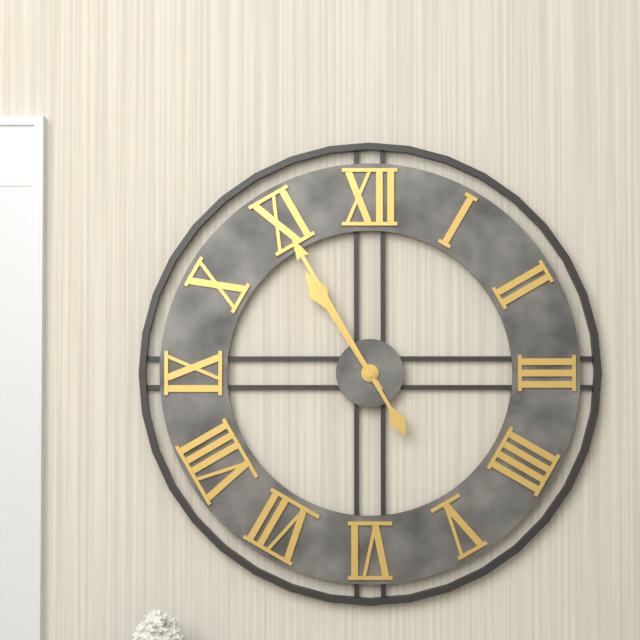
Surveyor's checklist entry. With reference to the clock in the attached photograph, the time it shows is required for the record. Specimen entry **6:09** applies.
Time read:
**10:55**
